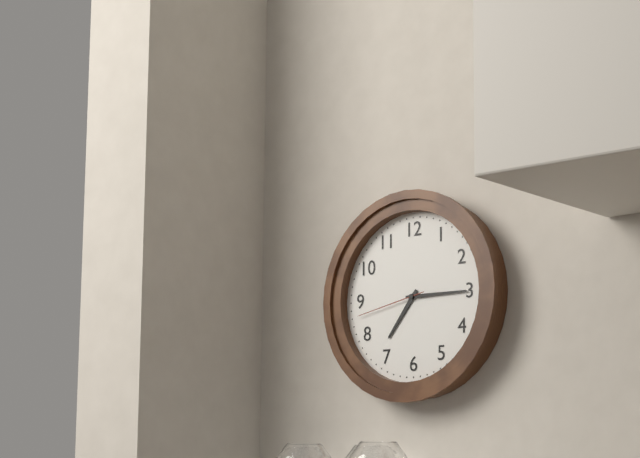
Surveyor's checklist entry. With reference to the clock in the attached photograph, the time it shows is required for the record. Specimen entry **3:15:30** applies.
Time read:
**7:15:43**
